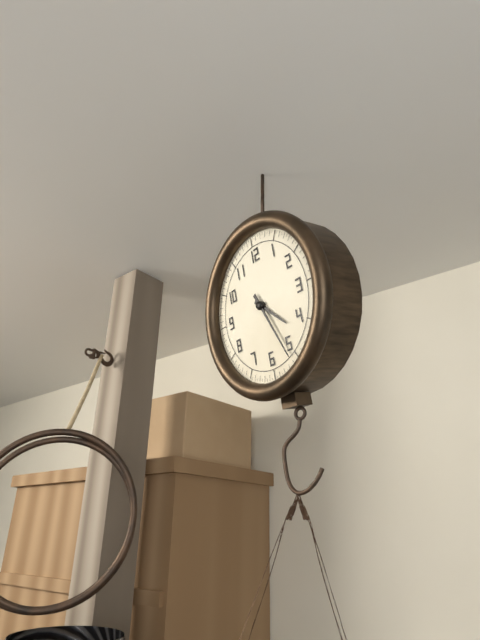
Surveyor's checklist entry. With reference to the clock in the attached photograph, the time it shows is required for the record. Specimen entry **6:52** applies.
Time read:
**4:26**
